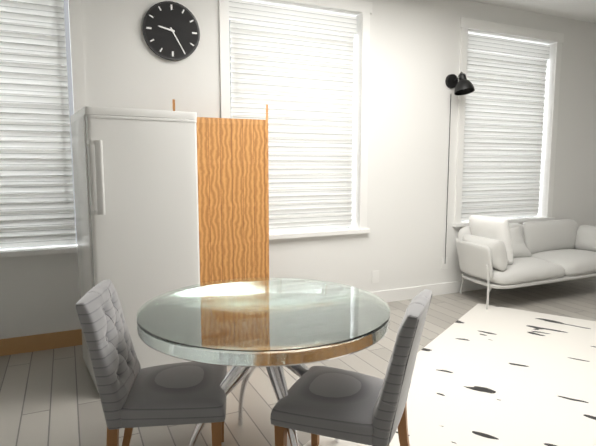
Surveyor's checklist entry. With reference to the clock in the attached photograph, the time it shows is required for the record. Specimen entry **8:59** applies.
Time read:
**9:25**
